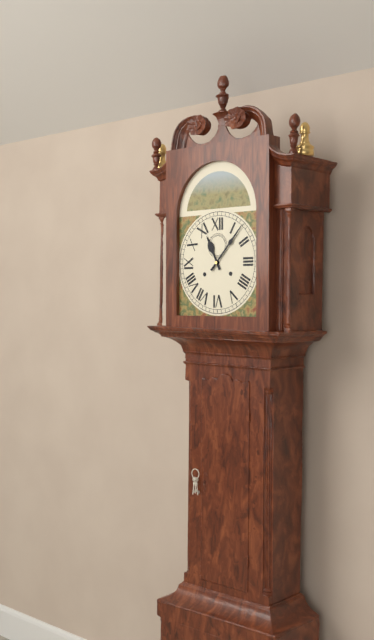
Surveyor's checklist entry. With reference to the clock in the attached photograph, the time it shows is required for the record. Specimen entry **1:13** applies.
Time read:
**11:07**
